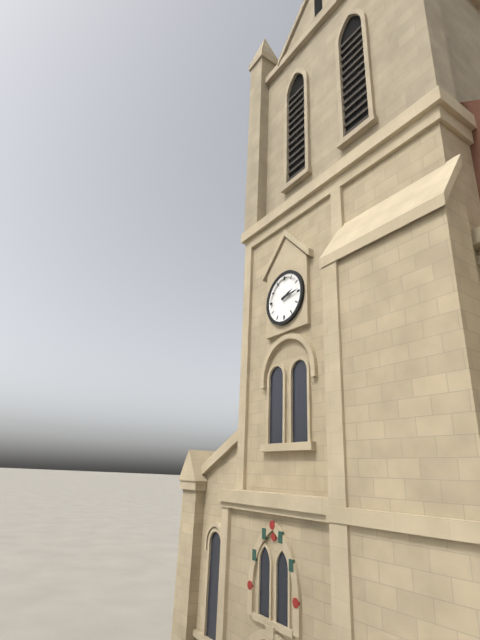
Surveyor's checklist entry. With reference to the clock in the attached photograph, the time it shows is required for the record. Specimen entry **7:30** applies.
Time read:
**2:14**
